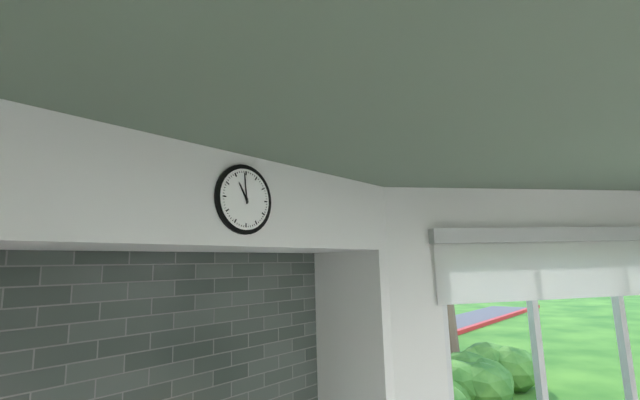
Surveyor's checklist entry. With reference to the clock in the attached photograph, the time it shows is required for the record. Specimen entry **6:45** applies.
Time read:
**10:59**
